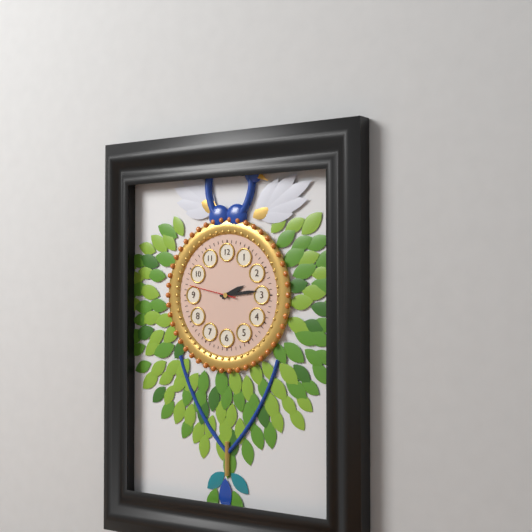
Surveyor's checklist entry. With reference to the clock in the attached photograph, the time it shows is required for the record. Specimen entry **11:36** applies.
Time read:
**2:14**
